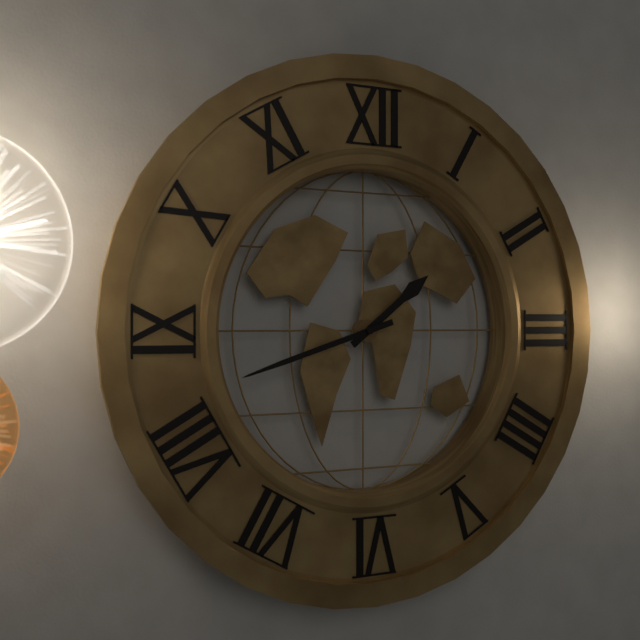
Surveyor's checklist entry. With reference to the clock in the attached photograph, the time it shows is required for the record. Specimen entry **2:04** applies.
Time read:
**1:42**
